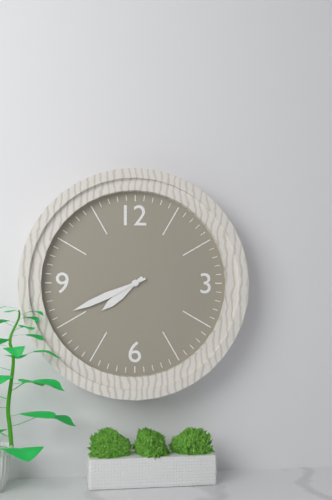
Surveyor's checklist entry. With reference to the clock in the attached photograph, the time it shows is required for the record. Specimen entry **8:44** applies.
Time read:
**7:41**
